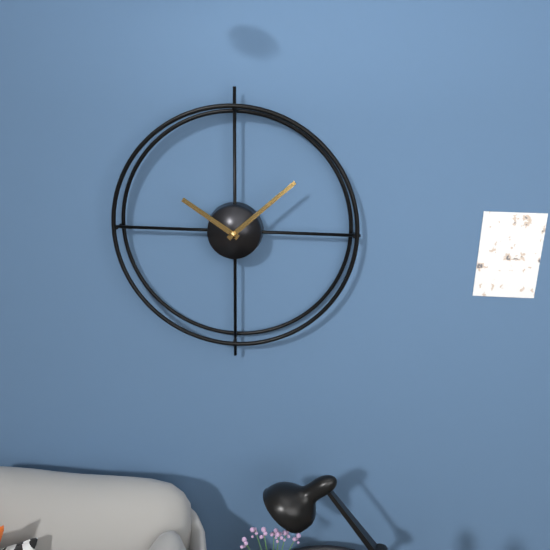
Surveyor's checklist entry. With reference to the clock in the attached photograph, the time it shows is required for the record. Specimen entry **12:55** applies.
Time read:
**10:08**
